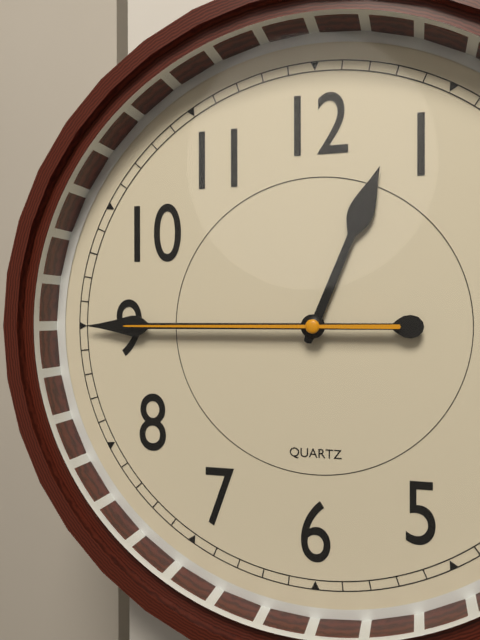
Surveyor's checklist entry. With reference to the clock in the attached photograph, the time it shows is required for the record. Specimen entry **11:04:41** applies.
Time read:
**12:45:45**
